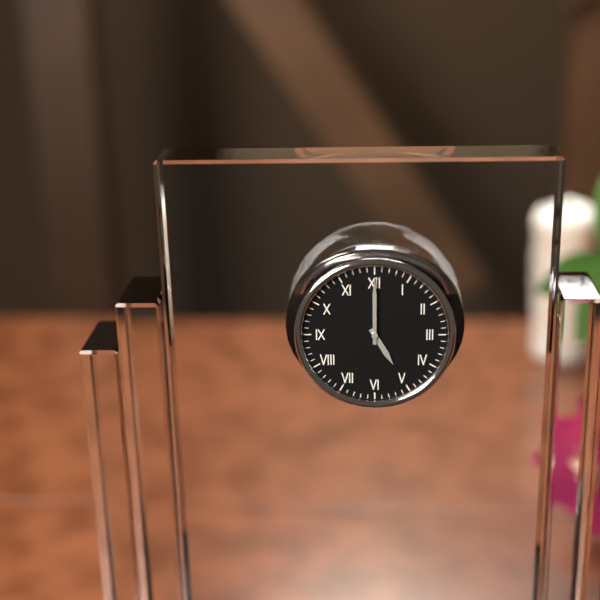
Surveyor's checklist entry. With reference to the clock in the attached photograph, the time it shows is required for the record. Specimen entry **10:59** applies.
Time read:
**5:00**
